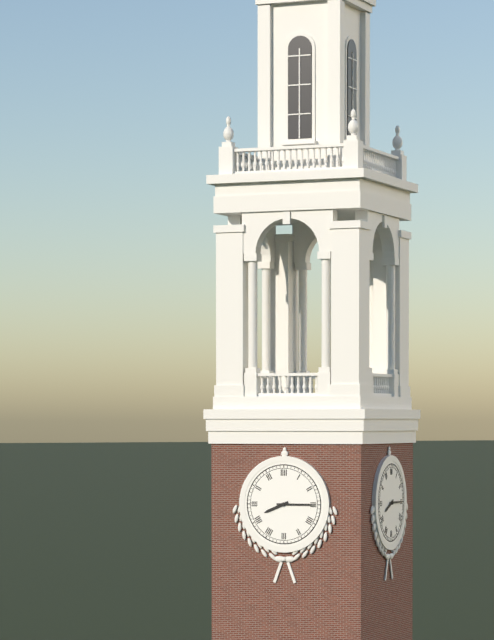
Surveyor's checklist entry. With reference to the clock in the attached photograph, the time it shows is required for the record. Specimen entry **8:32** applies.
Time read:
**8:15**
